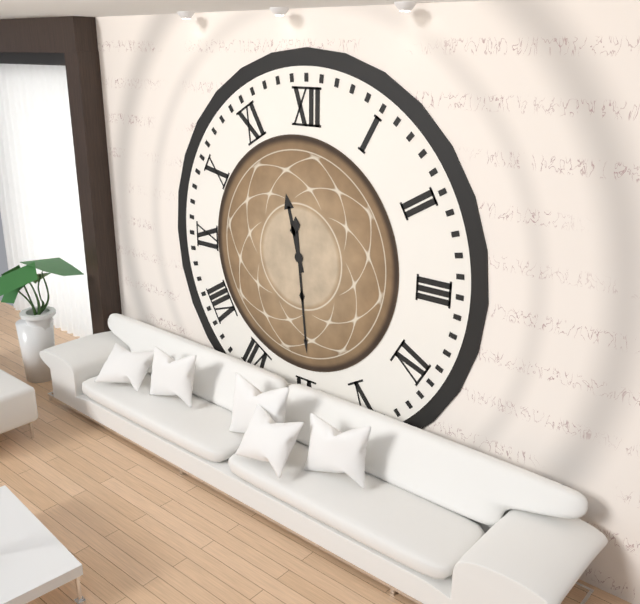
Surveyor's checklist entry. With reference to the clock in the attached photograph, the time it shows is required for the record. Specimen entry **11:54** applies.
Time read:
**11:29**
